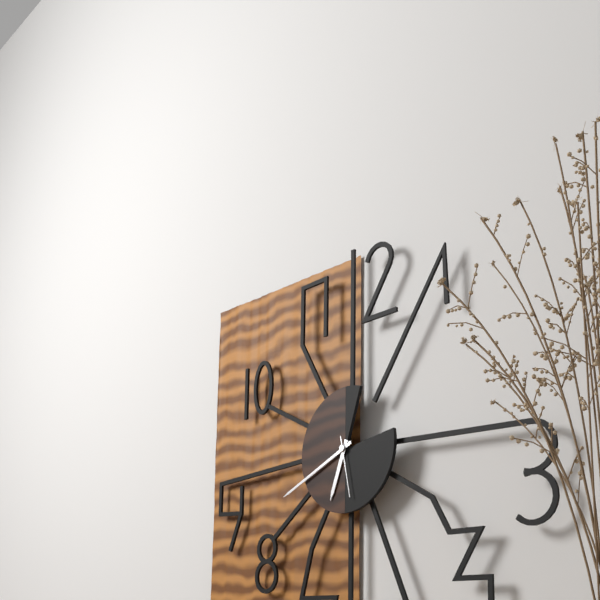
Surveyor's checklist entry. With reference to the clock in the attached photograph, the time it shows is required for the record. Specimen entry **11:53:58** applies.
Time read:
**6:41:28**
